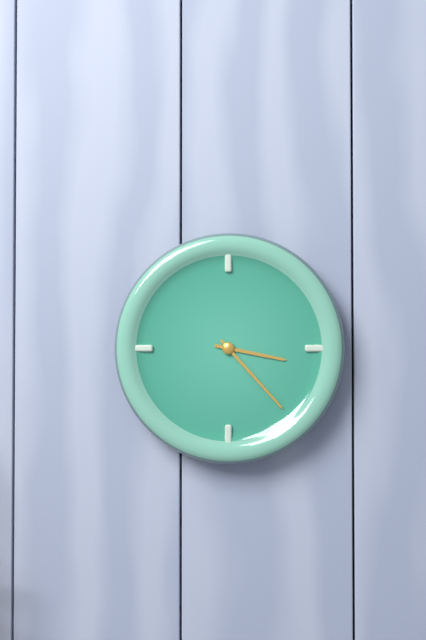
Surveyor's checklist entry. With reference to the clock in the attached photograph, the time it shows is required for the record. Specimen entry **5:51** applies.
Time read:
**3:23**
